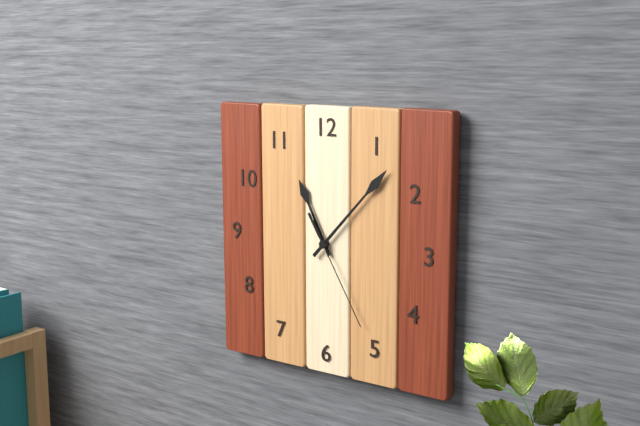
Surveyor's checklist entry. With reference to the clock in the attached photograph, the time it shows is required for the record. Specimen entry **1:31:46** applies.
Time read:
**11:07:25**
